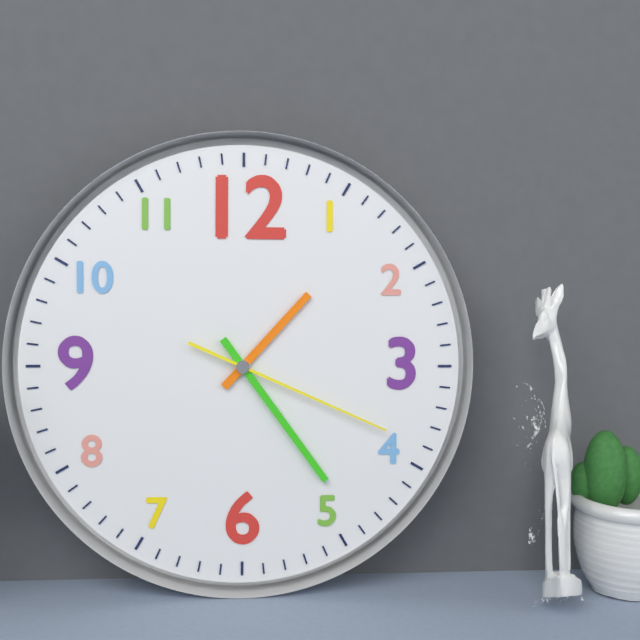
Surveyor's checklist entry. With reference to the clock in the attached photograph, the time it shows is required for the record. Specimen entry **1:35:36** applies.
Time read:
**1:24:19**
